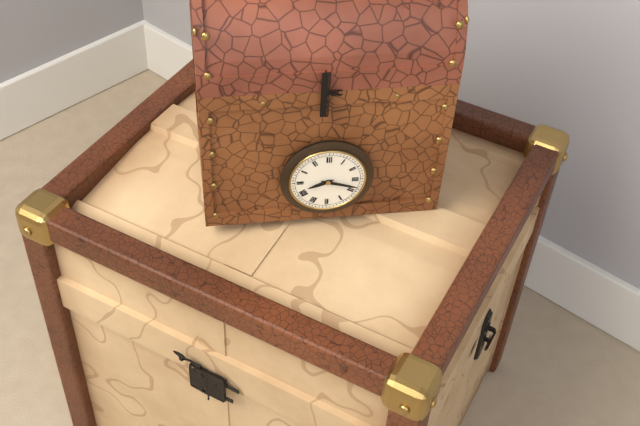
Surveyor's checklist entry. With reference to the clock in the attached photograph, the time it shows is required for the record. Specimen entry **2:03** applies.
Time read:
**8:18**
